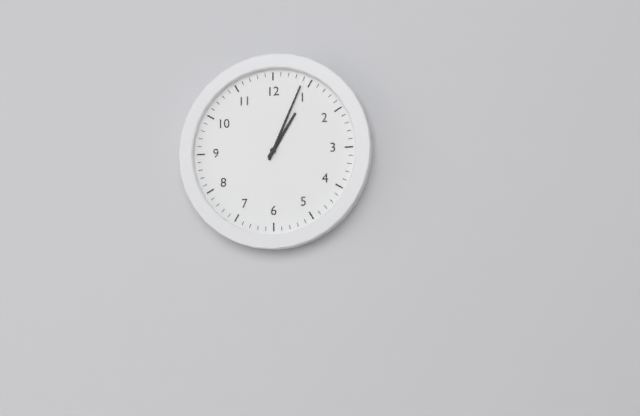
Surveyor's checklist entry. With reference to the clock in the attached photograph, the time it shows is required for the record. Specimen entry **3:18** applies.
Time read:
**1:04**
